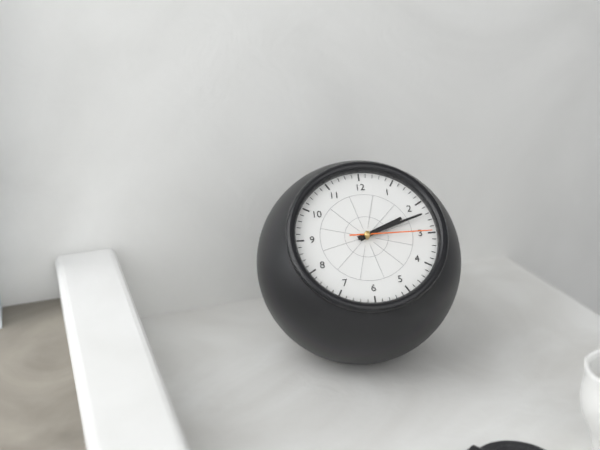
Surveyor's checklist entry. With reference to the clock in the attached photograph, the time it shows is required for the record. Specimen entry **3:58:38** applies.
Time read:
**2:12:15**
